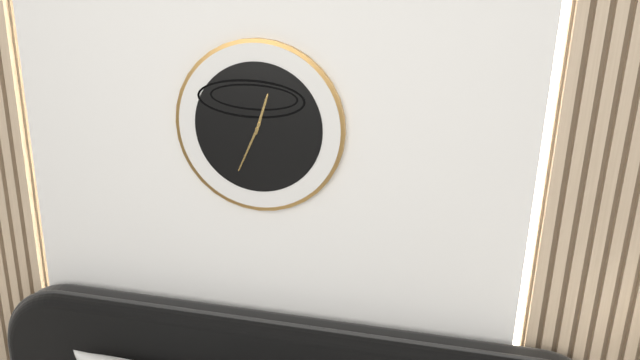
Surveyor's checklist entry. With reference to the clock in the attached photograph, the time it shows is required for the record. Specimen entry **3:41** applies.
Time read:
**12:34**
